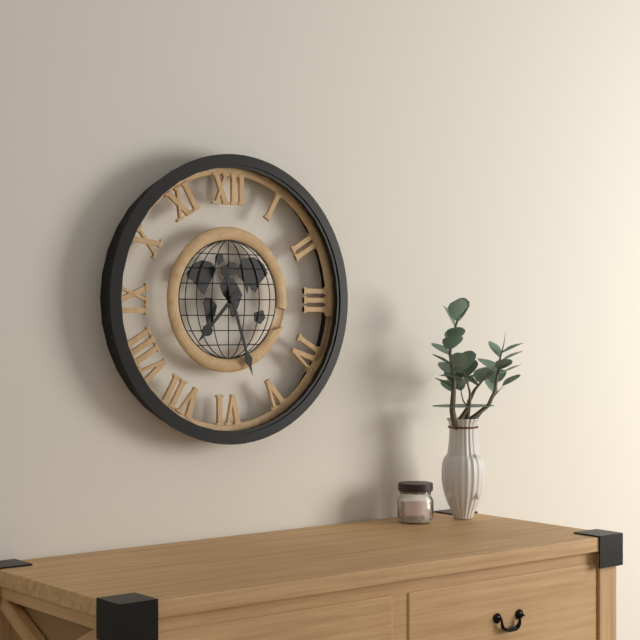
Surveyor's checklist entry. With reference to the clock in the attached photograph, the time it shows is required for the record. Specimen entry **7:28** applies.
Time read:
**7:27**
